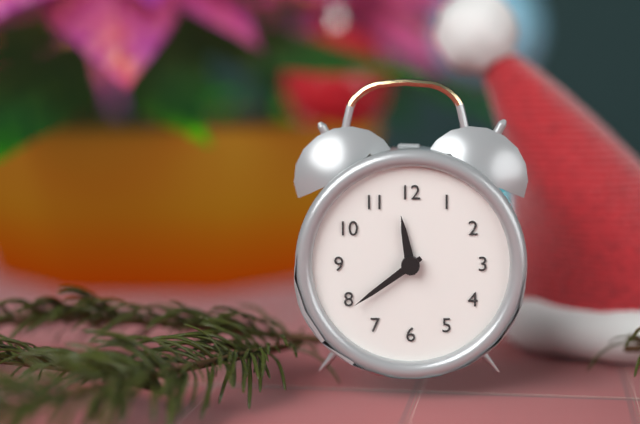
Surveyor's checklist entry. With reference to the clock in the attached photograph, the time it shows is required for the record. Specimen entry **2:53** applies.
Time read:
**11:39**
